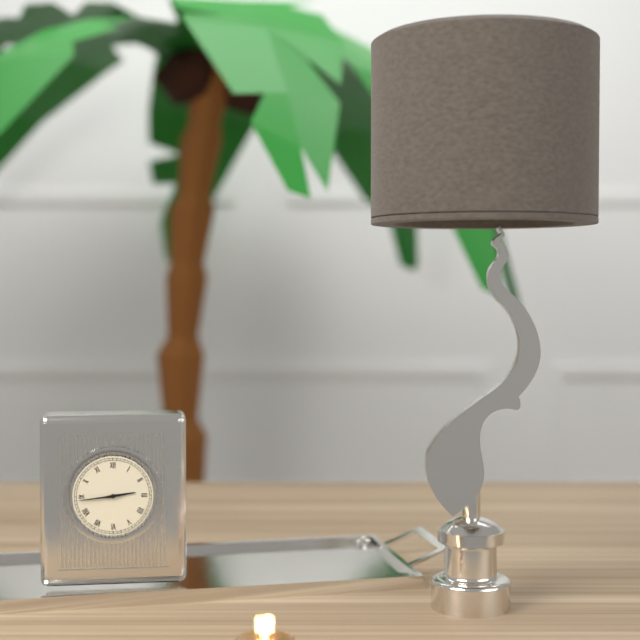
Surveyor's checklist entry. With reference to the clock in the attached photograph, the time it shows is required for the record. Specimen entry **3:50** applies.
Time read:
**2:44**
